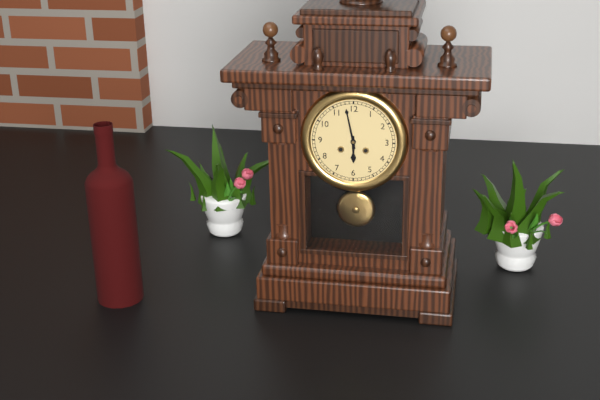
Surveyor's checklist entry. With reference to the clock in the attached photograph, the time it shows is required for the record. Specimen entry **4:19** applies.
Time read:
**5:58**
